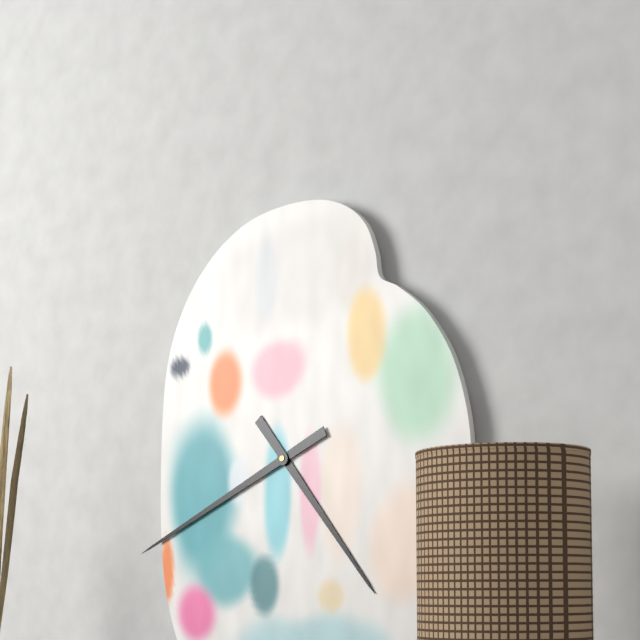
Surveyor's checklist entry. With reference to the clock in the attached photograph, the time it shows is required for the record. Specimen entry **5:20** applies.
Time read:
**4:41**
